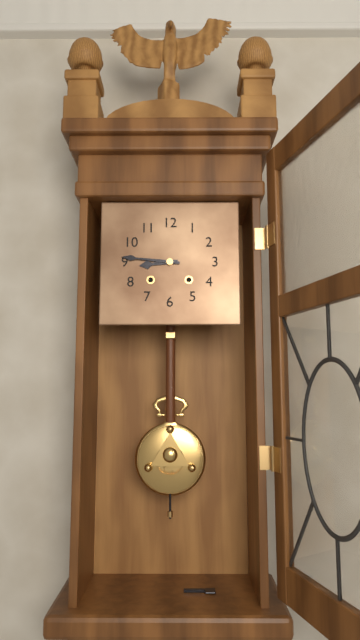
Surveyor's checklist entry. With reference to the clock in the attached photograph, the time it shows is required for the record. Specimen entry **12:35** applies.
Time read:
**8:46**
